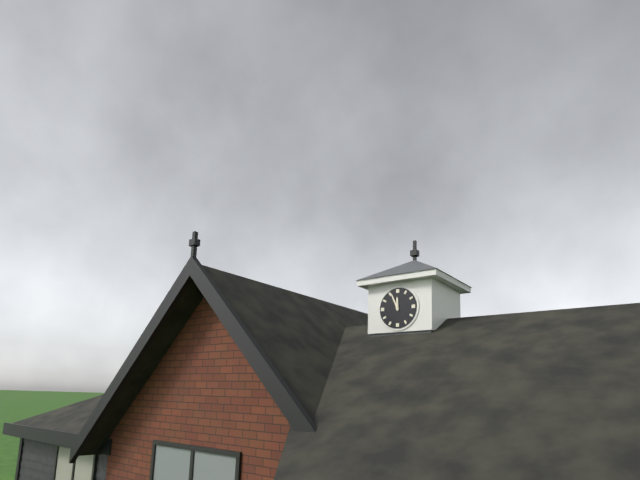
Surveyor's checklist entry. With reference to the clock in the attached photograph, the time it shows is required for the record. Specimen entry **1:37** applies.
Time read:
**11:56**
